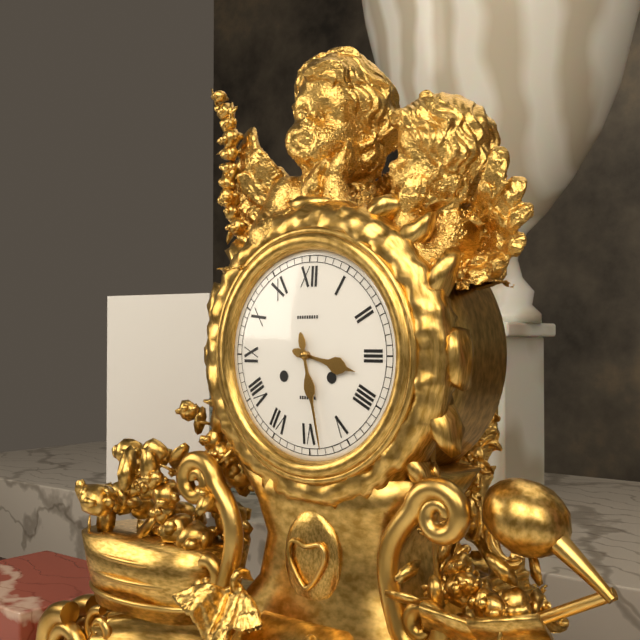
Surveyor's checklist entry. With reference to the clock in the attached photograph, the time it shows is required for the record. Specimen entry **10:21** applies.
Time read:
**3:28**
